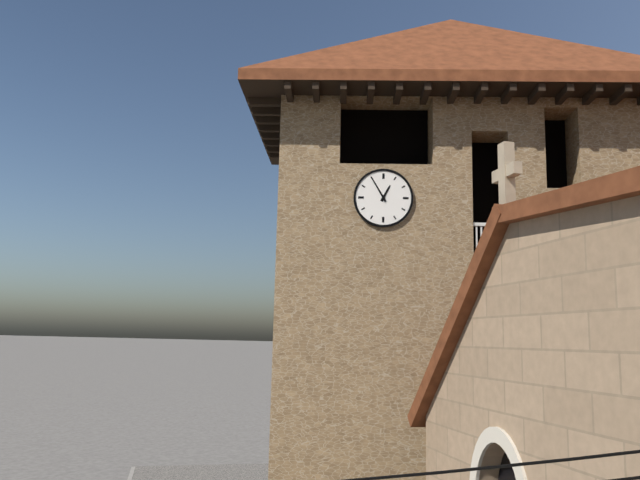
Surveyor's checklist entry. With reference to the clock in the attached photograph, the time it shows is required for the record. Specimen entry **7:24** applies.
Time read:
**12:55**
